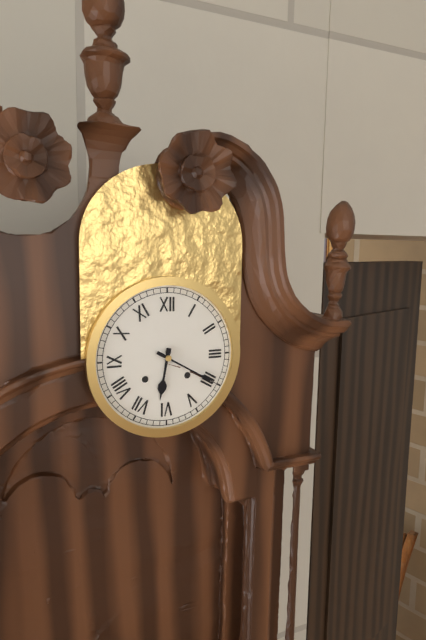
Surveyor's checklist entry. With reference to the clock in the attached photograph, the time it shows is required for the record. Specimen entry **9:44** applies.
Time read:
**6:20**
